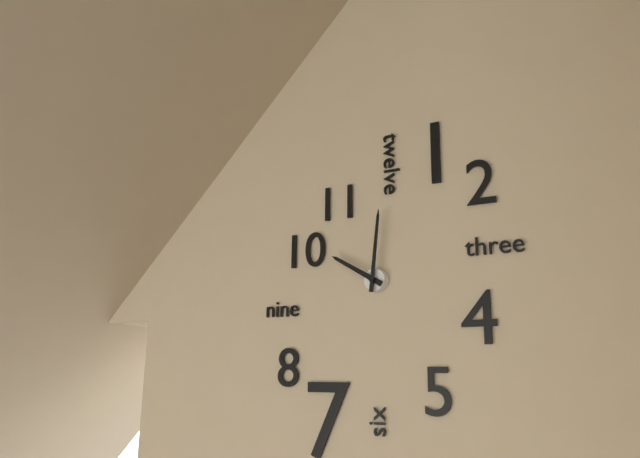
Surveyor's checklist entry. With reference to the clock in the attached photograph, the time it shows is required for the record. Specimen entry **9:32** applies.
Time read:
**10:01**
